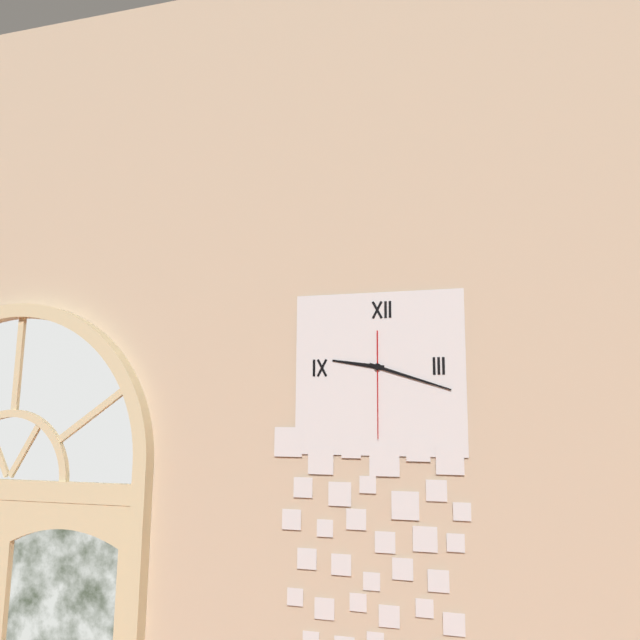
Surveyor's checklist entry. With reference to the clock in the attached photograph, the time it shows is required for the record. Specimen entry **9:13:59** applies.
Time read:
**9:18:30**
